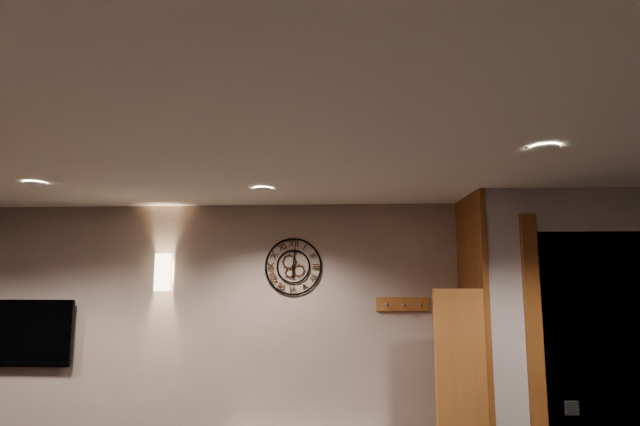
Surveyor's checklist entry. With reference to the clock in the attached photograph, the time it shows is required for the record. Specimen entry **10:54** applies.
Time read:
**6:01**
